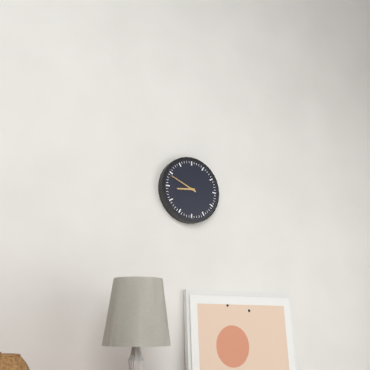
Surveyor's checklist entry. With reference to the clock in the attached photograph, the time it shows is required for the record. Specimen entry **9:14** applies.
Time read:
**8:49**
